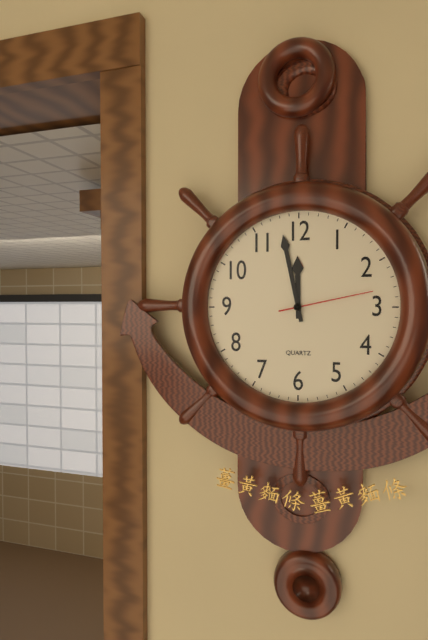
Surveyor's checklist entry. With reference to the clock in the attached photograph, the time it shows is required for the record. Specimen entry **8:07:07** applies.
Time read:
**11:58:13**
